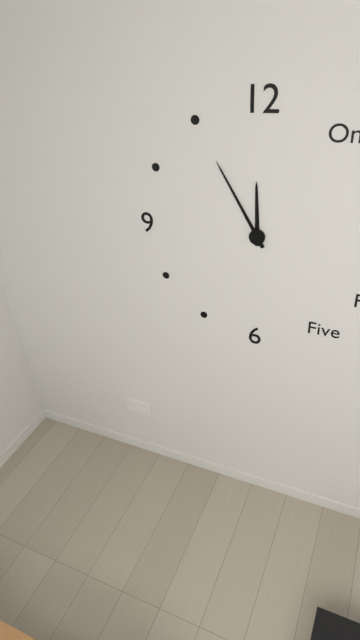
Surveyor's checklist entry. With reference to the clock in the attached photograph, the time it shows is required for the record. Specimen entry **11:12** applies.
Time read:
**11:55**
